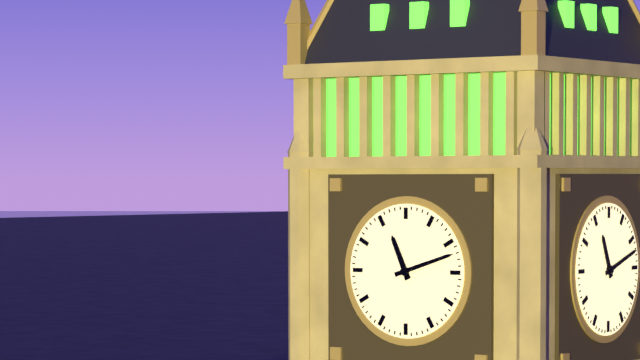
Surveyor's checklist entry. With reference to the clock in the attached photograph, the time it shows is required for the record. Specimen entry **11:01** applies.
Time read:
**11:12**
